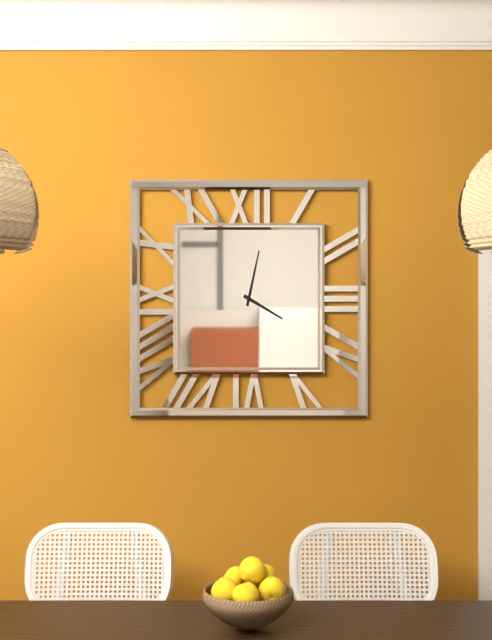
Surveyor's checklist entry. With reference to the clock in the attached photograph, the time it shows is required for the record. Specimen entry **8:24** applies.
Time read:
**4:02**
